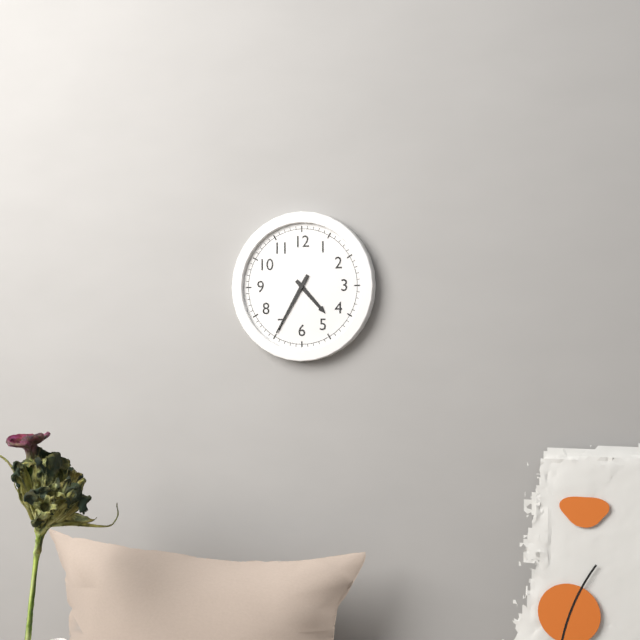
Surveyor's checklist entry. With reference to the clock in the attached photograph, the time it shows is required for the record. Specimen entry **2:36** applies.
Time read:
**4:35**
